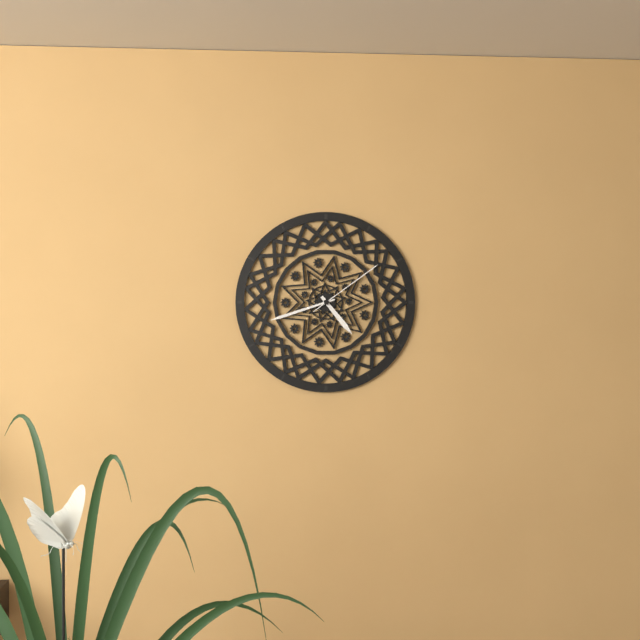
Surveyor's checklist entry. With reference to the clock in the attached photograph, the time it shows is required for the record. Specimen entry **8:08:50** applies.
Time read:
**4:42:09**
